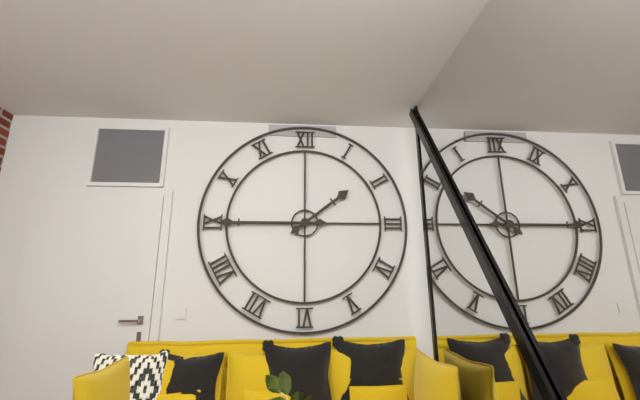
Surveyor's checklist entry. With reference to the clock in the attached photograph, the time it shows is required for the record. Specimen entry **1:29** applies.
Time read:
**1:45**
